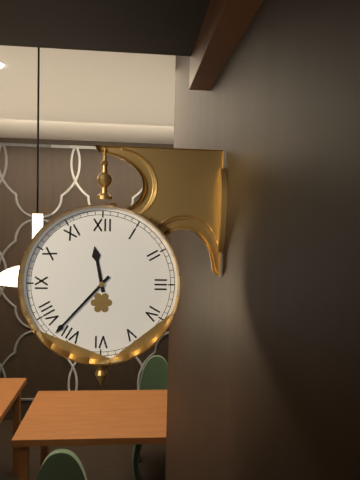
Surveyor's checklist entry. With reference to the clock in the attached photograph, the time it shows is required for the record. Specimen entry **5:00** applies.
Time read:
**11:37**
